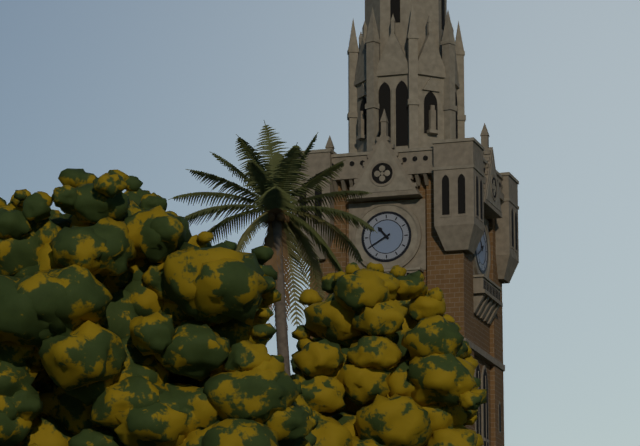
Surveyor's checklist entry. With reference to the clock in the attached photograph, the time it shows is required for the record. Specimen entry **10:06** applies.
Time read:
**10:40**
